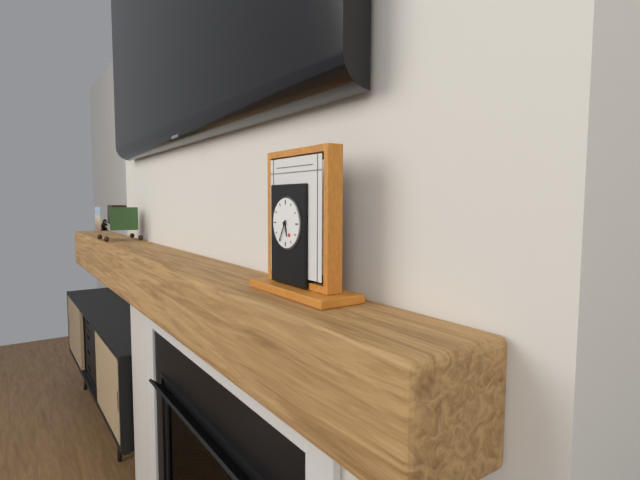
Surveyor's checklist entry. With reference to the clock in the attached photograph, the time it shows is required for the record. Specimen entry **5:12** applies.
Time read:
**5:35**
